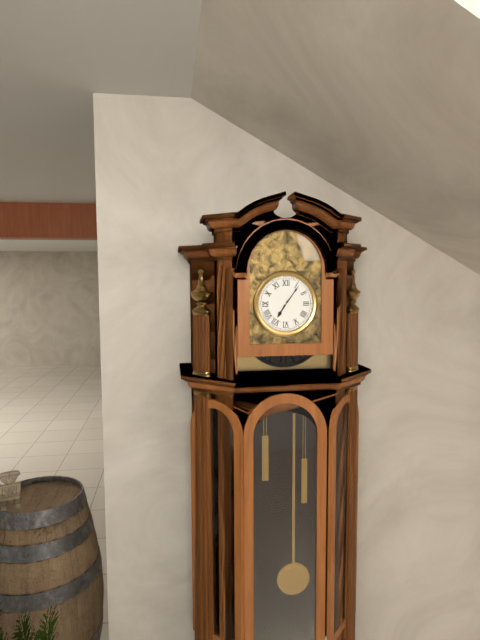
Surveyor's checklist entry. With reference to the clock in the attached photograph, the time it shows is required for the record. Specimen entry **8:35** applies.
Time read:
**7:06**
